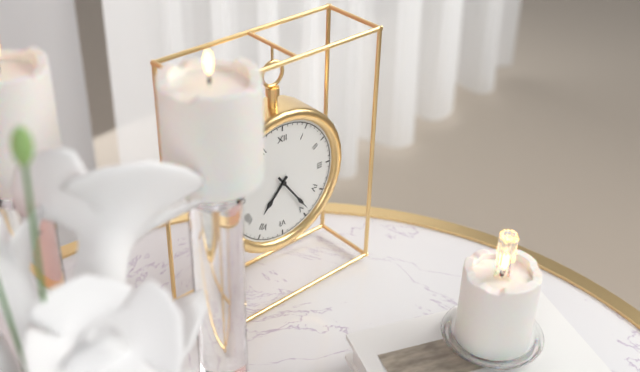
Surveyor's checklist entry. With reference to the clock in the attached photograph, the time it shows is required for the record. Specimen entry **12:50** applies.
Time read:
**7:24**
